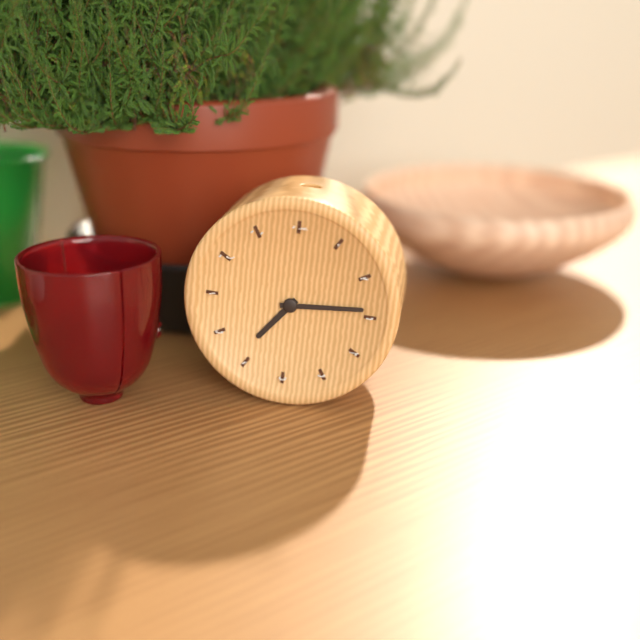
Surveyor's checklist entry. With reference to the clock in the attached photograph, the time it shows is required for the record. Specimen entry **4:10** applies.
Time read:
**7:14**
